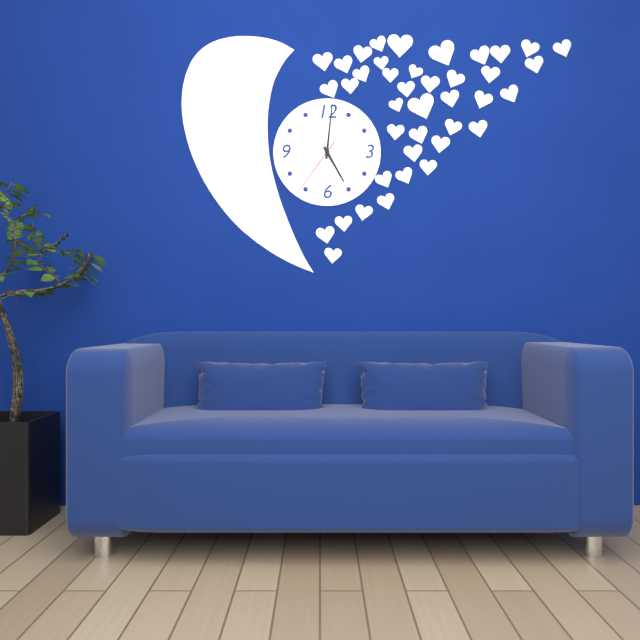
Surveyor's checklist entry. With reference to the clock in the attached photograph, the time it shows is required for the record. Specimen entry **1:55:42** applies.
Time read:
**5:01:36**
